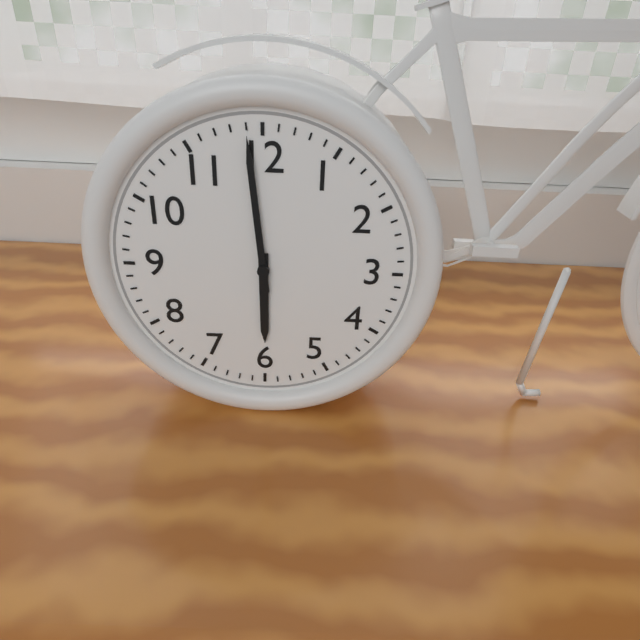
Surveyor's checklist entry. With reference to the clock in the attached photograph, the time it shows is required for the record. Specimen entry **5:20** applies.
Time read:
**5:59**
